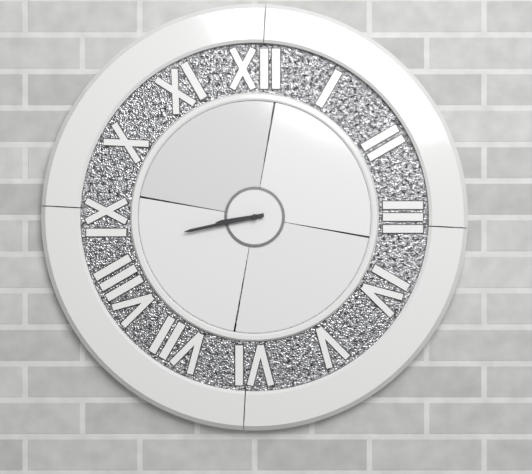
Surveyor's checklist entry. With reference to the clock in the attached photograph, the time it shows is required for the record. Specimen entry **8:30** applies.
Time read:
**8:43**
